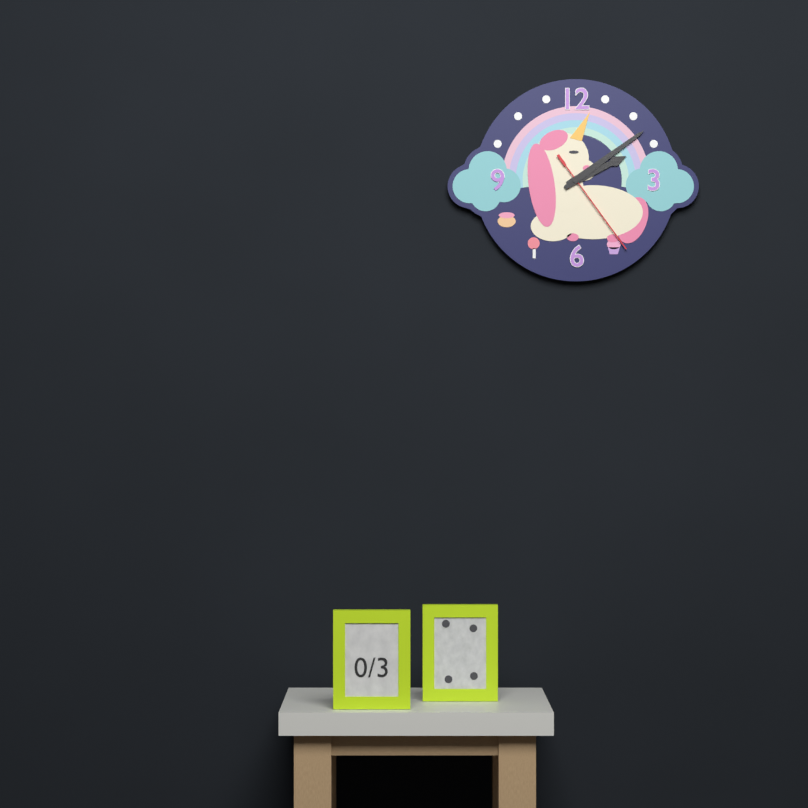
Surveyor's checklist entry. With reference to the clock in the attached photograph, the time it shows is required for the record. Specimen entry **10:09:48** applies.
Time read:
**2:09:24**
